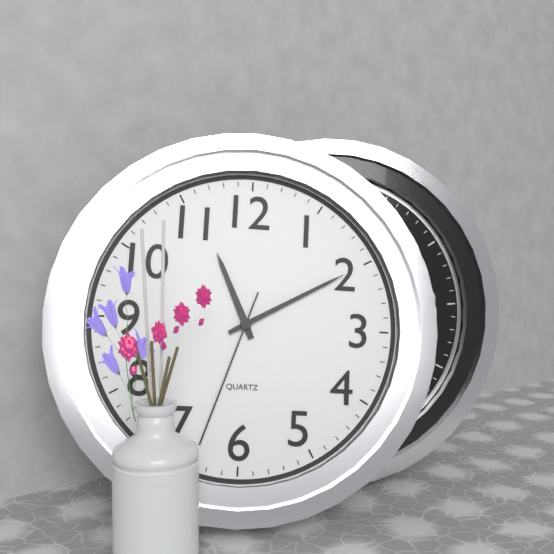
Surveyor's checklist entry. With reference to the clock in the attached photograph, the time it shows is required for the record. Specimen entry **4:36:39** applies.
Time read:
**11:10:33**
